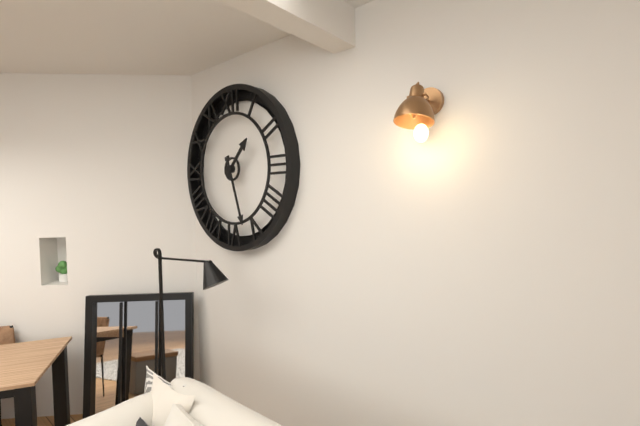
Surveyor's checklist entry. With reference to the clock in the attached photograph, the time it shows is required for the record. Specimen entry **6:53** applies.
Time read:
**1:27**
